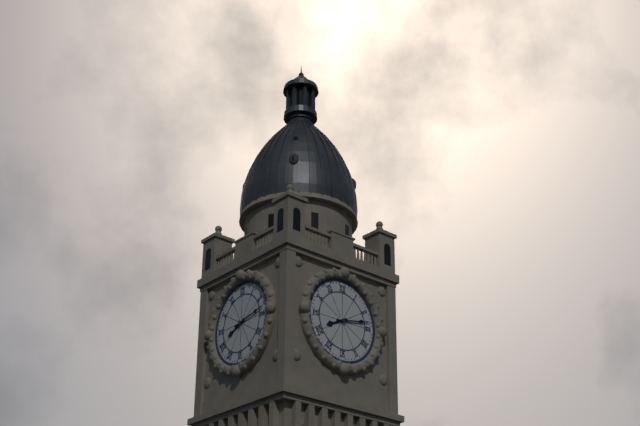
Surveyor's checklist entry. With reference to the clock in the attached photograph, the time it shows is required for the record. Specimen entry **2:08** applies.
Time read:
**8:13**
